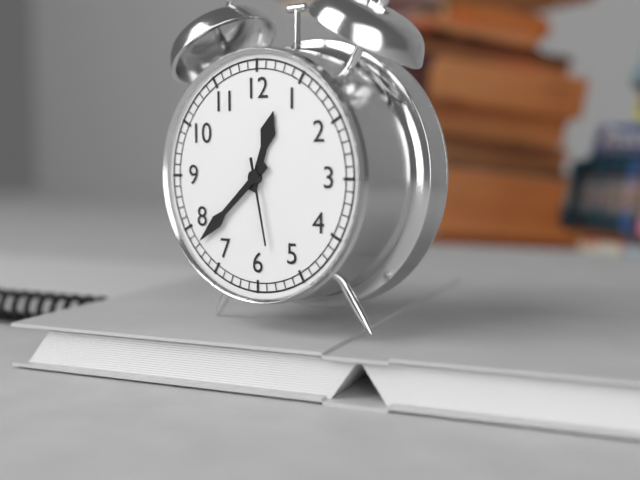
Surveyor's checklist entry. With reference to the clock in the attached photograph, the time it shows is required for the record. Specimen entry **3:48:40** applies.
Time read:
**12:38:28**
